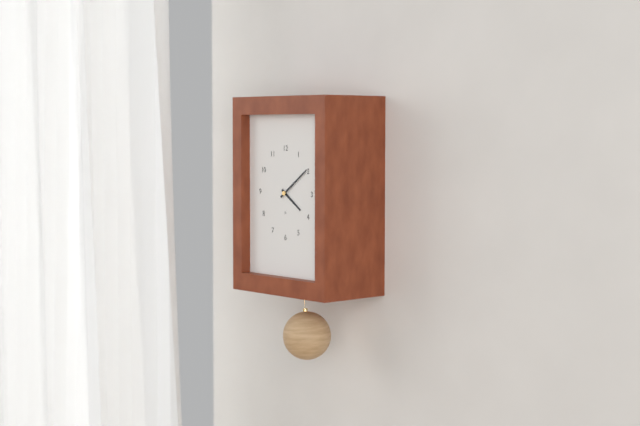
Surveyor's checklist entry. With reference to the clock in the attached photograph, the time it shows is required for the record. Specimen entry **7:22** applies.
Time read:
**4:09**
